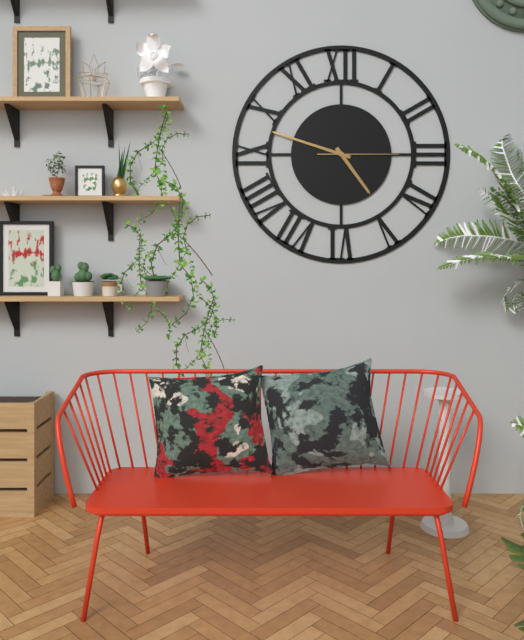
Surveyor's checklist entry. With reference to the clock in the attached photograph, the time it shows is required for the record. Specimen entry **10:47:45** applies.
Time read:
**4:48:15**
